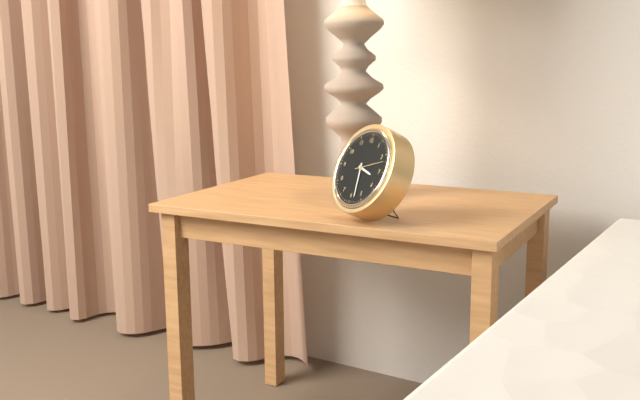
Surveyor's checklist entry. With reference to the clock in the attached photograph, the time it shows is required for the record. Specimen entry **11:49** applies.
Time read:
**3:28**
